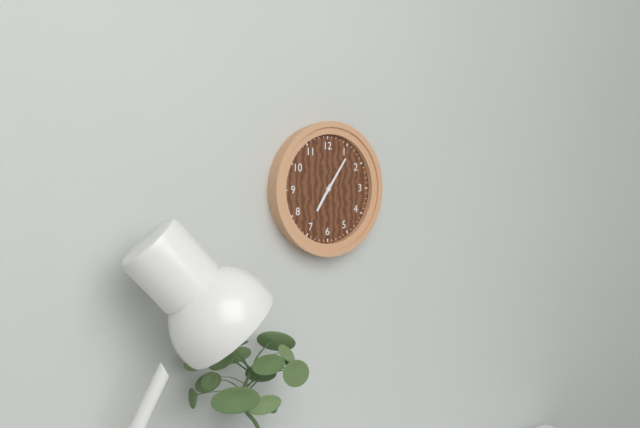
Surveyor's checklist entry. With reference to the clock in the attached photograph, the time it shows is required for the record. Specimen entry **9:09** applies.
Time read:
**7:06**
